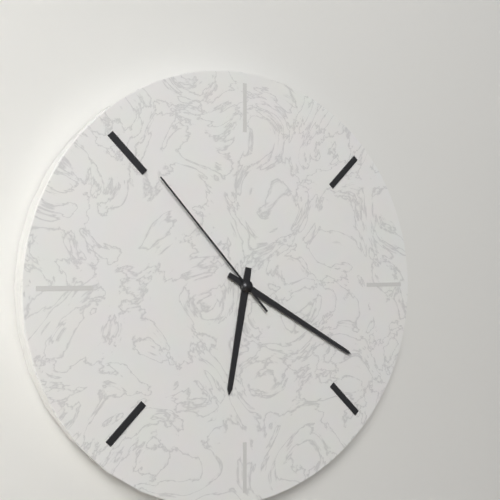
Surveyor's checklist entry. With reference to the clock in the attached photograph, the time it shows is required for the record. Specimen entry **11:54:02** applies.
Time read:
**6:20:53**
